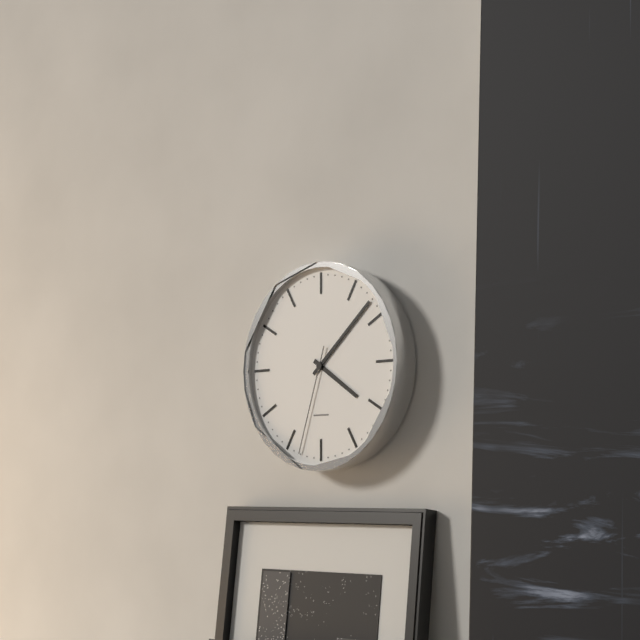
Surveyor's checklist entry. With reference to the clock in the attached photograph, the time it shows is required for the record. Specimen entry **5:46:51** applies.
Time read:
**4:08:33**
